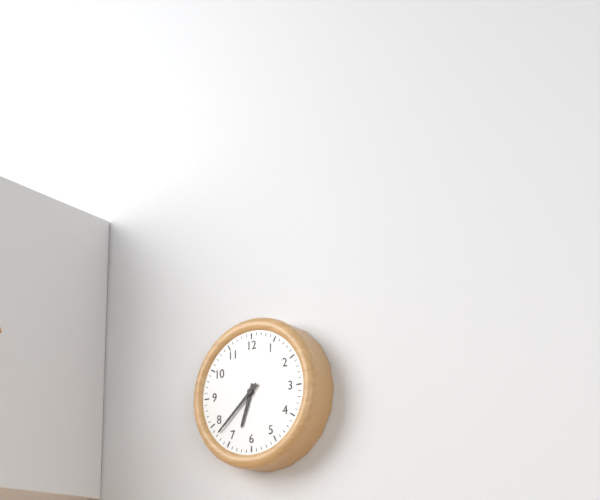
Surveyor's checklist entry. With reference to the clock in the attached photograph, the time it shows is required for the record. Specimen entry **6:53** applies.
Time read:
**6:38**
